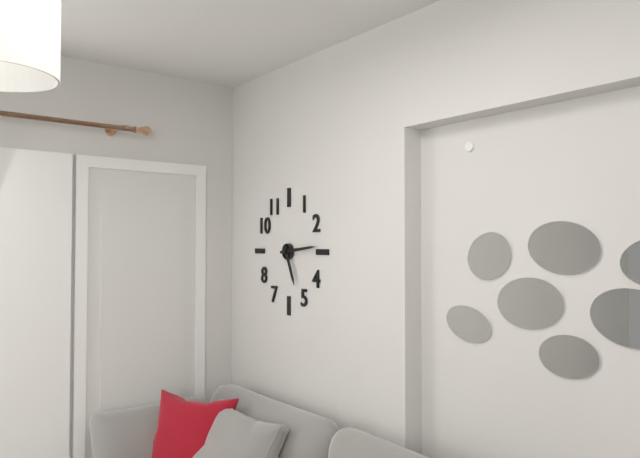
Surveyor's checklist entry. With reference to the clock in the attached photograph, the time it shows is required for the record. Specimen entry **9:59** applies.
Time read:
**5:14**
